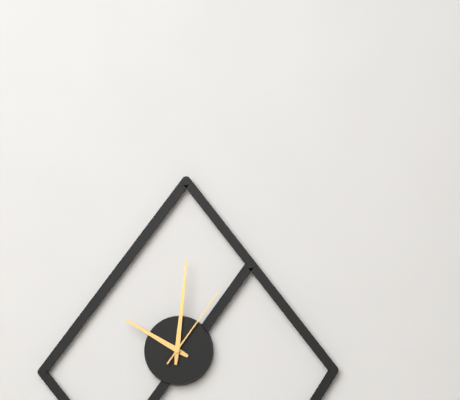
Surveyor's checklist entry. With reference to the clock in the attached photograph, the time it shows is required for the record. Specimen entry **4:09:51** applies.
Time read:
**10:01:06**
